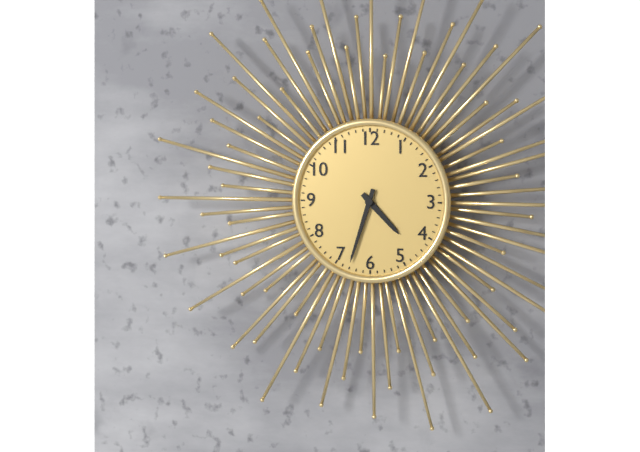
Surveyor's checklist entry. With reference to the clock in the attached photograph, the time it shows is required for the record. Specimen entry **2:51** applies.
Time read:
**4:33**
